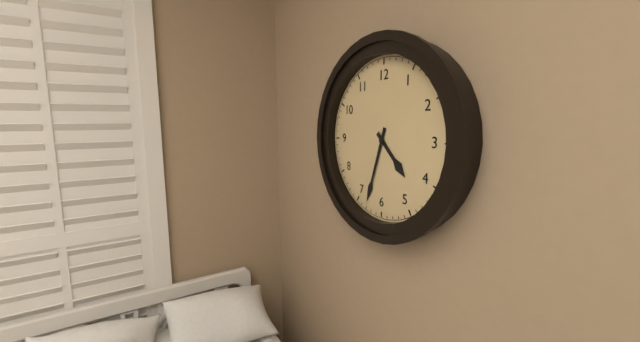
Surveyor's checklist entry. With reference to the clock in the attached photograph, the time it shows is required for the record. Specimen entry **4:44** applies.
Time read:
**4:33**
